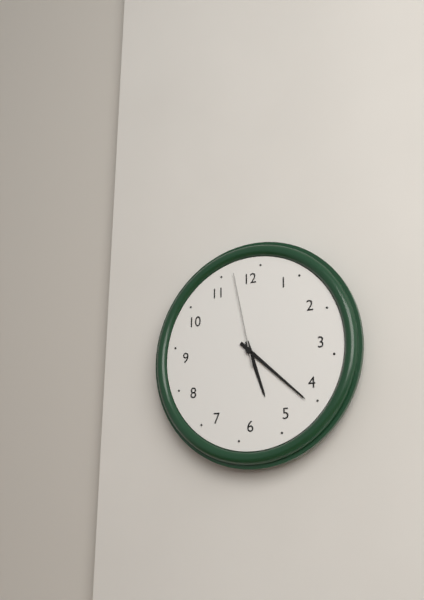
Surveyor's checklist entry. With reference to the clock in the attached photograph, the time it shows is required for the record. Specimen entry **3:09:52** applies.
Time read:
**5:22:58**
